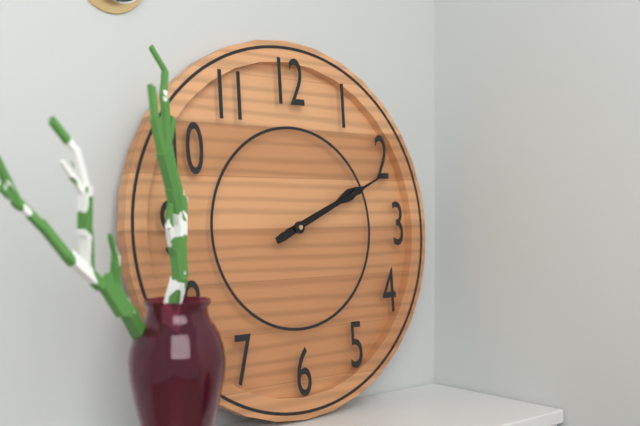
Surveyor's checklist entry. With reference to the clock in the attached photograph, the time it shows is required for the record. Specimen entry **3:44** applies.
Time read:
**2:11**
